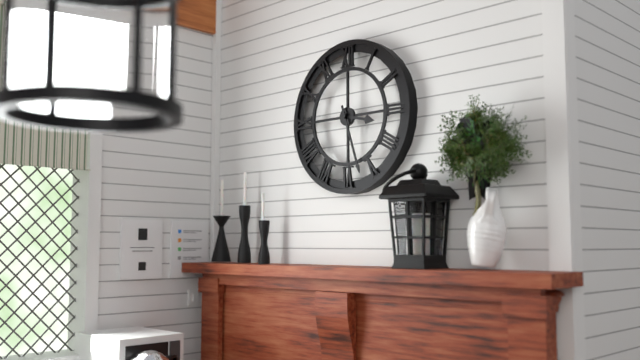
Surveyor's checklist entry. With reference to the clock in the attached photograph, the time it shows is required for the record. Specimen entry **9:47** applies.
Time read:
**3:27**
